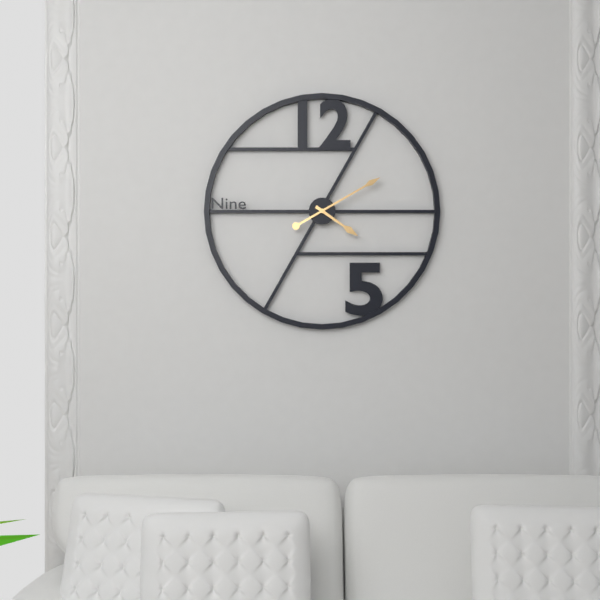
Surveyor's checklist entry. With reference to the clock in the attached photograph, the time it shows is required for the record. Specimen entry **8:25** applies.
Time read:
**4:10**
